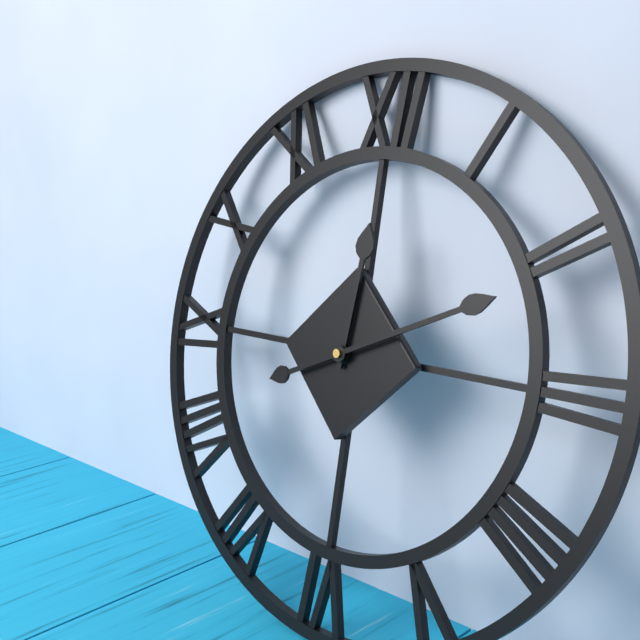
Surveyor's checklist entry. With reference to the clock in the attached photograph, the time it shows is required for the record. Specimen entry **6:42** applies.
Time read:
**12:11**
